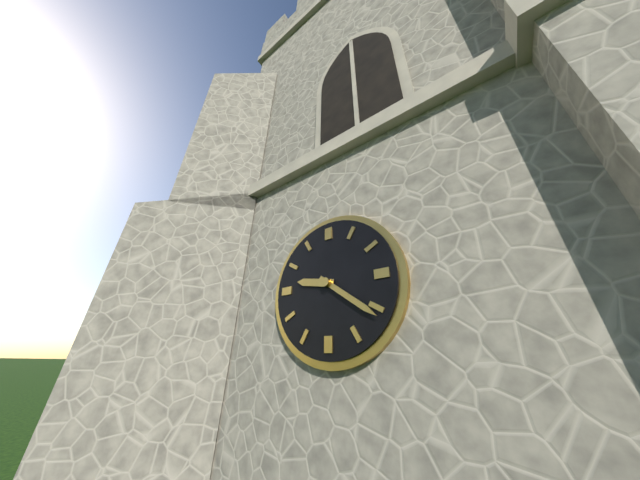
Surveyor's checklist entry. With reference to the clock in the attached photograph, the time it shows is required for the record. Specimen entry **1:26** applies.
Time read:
**9:21**
